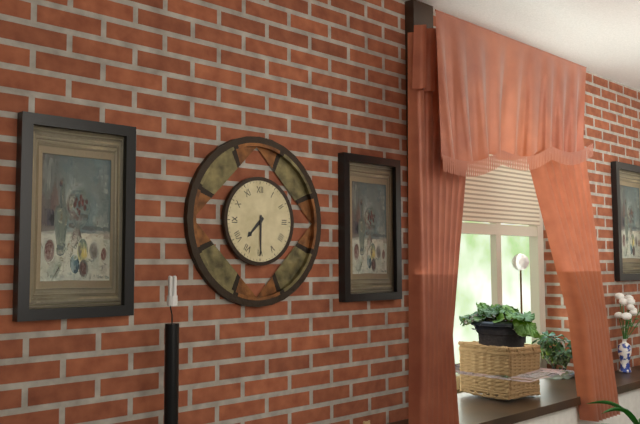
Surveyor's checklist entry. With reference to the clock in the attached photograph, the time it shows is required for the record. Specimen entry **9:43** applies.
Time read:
**7:30**
